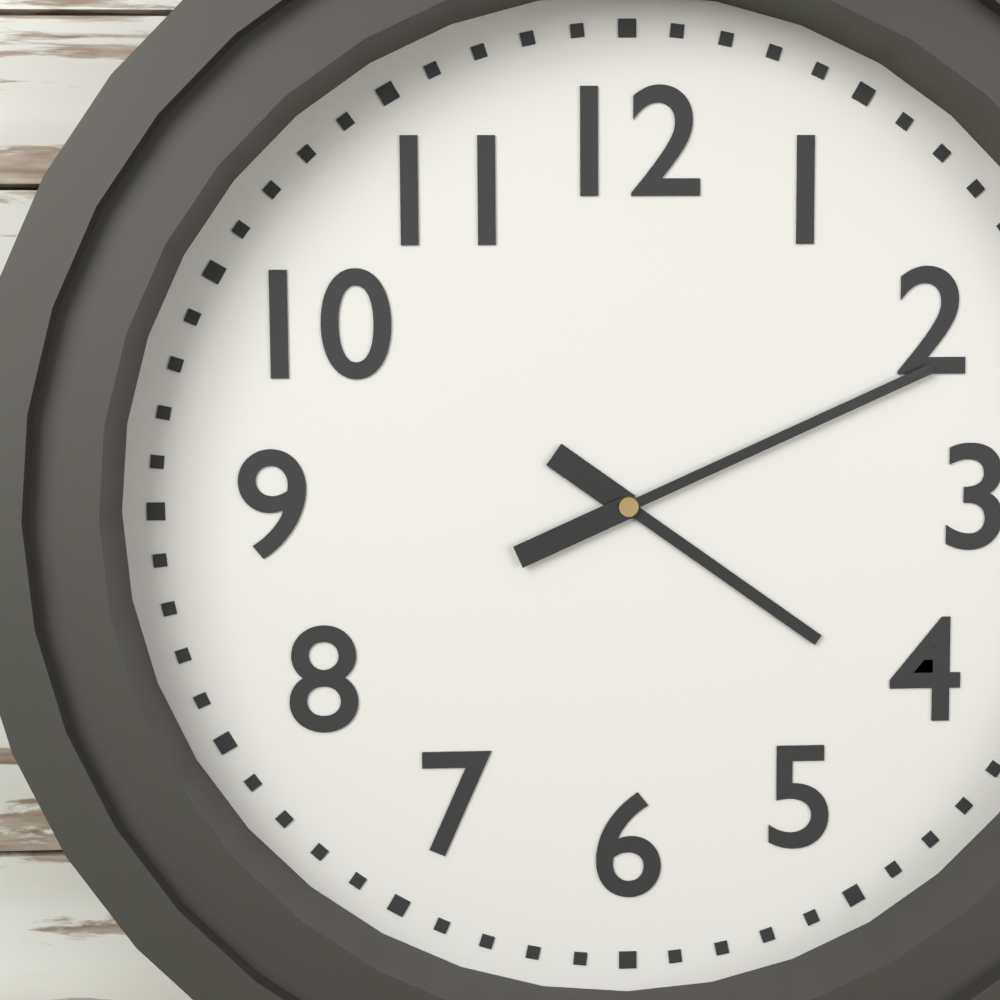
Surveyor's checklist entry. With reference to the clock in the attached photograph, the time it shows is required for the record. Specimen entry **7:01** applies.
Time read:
**4:11**
